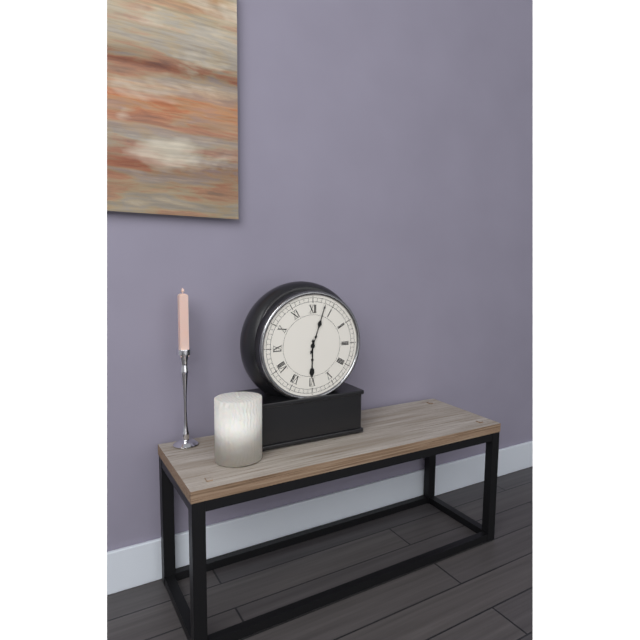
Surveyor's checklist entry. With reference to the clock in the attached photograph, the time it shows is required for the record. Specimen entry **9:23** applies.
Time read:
**6:03**
